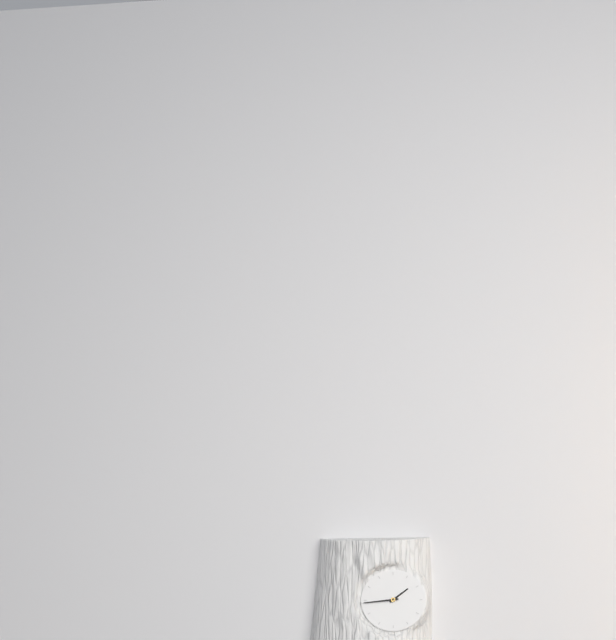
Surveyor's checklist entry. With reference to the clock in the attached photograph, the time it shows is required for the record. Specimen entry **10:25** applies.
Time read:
**1:44**
